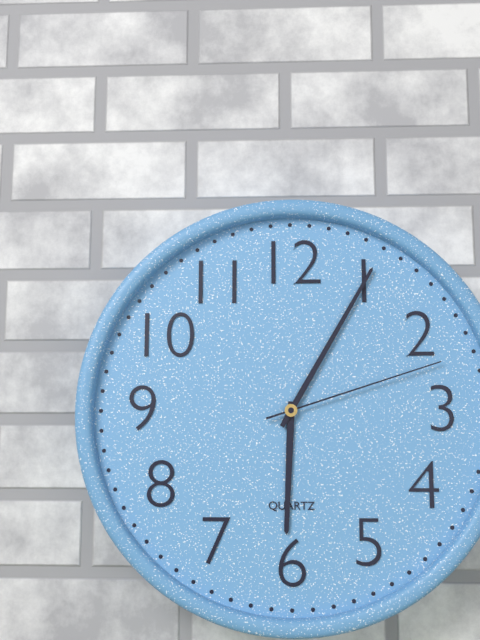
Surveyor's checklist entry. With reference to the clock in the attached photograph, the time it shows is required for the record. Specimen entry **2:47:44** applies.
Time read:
**6:05:12**
